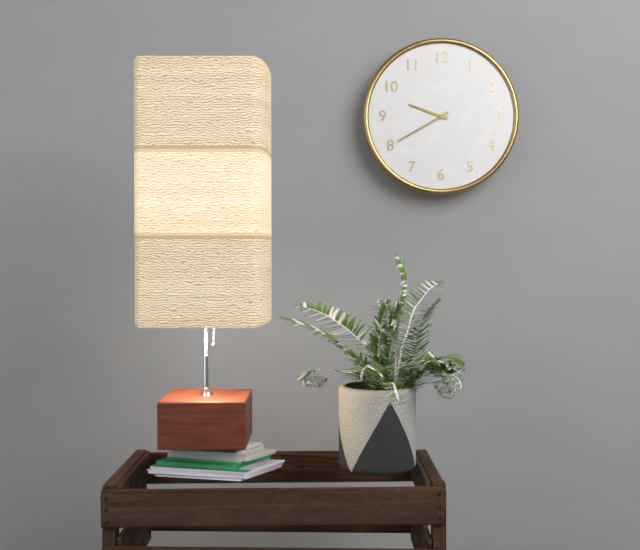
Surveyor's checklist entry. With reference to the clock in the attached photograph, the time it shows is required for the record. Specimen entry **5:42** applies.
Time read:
**9:40**
